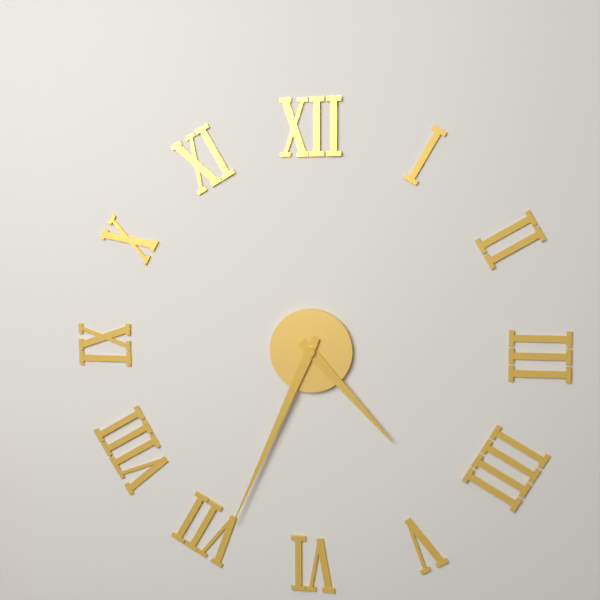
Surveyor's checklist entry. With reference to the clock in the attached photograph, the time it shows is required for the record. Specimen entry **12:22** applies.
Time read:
**4:34**
